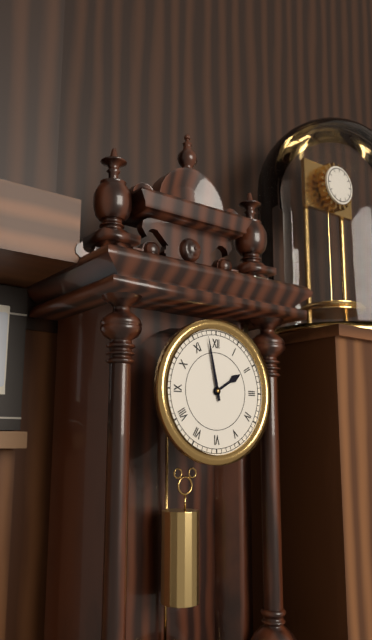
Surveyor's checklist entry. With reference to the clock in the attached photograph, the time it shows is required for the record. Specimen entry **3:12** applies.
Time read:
**1:58**
